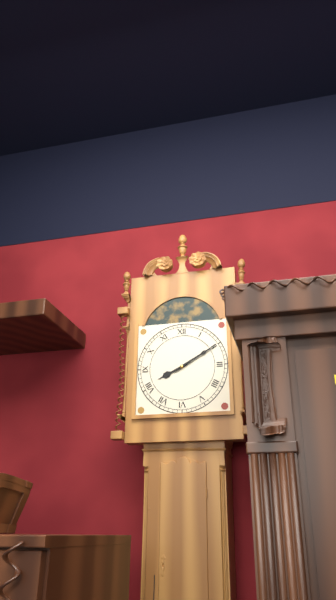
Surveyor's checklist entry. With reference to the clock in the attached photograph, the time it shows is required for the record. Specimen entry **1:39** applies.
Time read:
**8:10**
